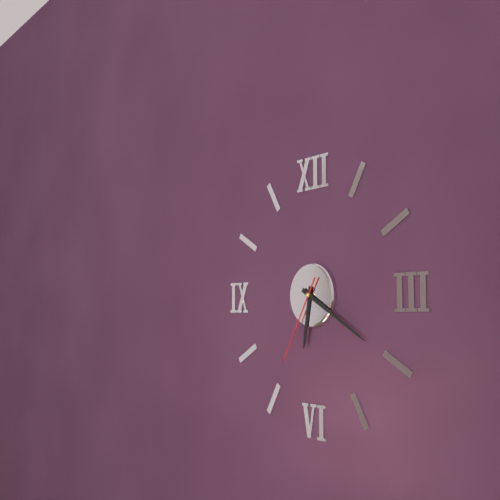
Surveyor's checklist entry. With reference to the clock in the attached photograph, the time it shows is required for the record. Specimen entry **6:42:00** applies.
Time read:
**6:20:35**
